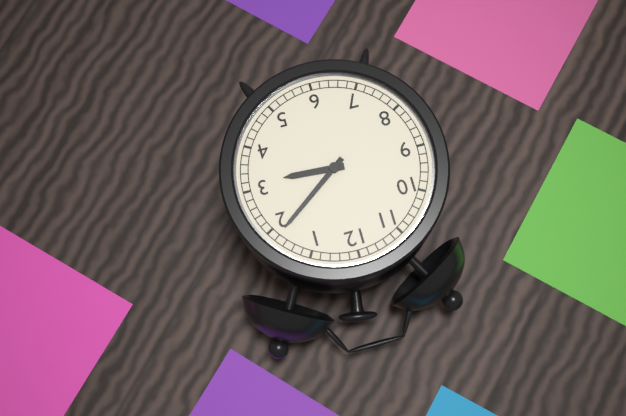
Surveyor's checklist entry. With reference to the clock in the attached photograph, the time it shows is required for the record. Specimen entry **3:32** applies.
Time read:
**3:09**
